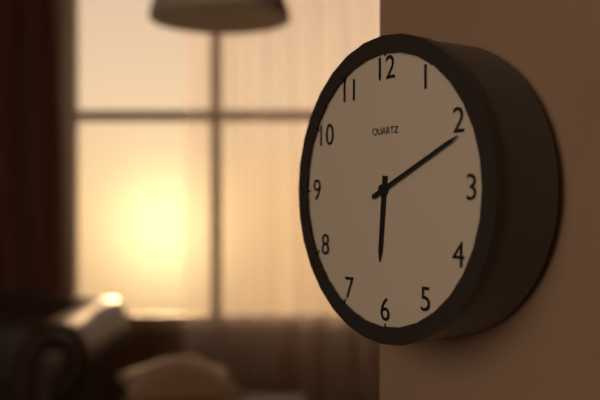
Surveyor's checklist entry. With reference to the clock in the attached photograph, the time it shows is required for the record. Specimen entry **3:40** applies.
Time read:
**6:11**
